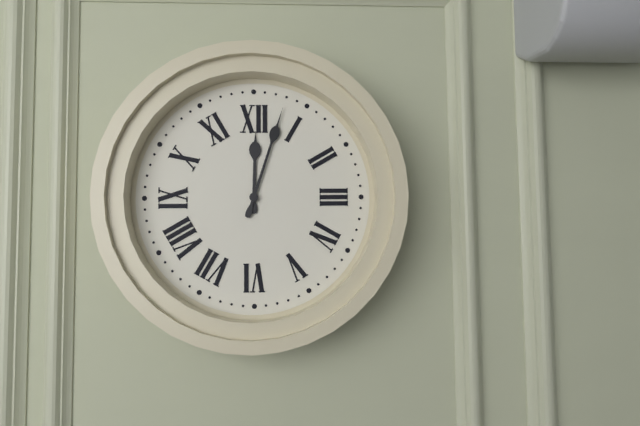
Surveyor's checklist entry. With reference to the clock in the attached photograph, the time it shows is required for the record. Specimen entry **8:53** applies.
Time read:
**12:03**
